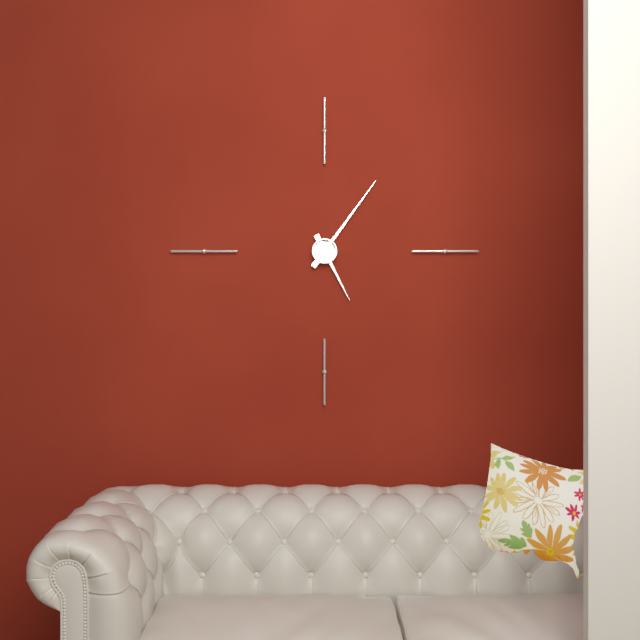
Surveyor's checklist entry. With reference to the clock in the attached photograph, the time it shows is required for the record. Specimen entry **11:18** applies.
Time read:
**5:06**
